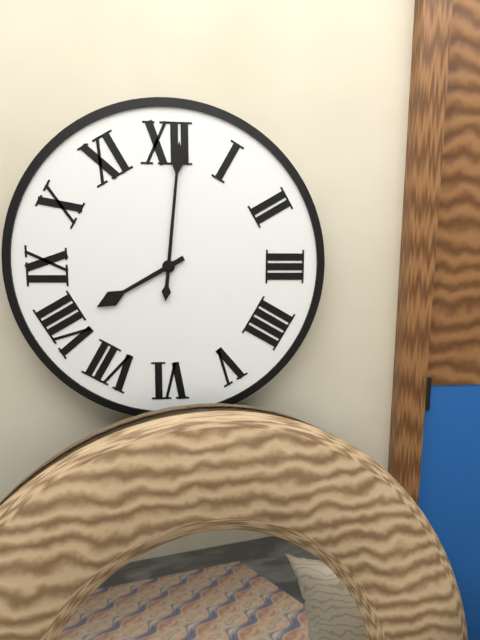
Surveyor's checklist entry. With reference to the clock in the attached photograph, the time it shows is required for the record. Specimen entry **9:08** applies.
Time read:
**8:01**
